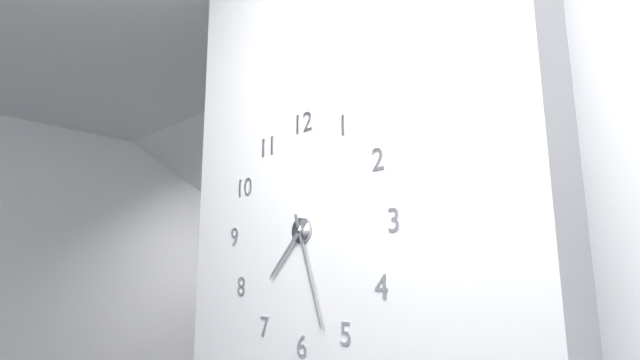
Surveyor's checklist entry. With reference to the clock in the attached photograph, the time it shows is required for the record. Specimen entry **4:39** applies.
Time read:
**7:27**
